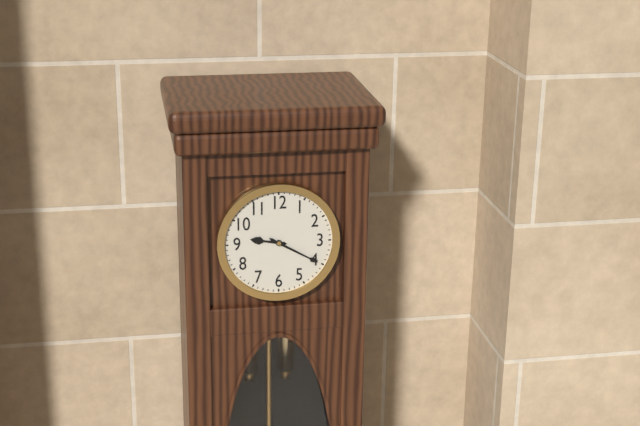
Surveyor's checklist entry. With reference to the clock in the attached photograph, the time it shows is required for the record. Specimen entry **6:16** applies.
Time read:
**9:20**
